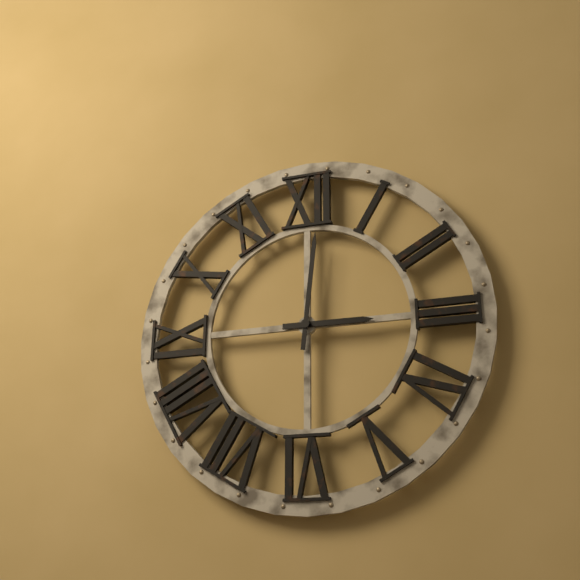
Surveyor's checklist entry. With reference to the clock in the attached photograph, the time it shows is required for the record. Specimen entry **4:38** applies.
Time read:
**3:01**
